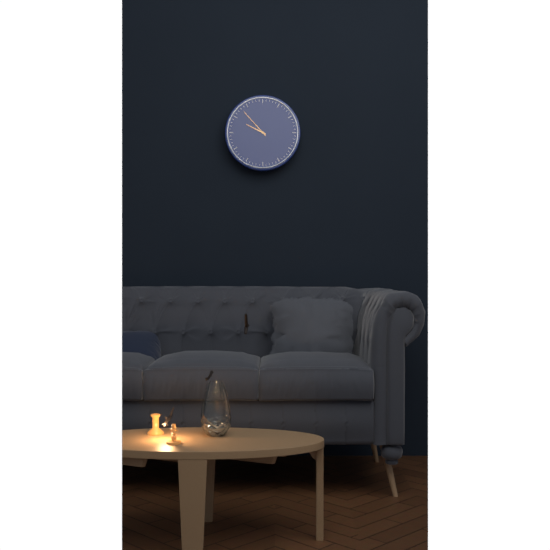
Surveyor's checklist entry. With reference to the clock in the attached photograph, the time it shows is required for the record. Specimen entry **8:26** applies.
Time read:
**9:53**
